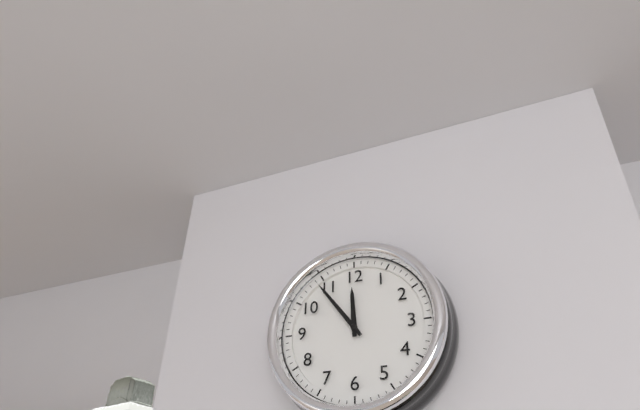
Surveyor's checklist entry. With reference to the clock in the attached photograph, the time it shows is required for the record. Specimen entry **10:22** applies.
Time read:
**11:54**
